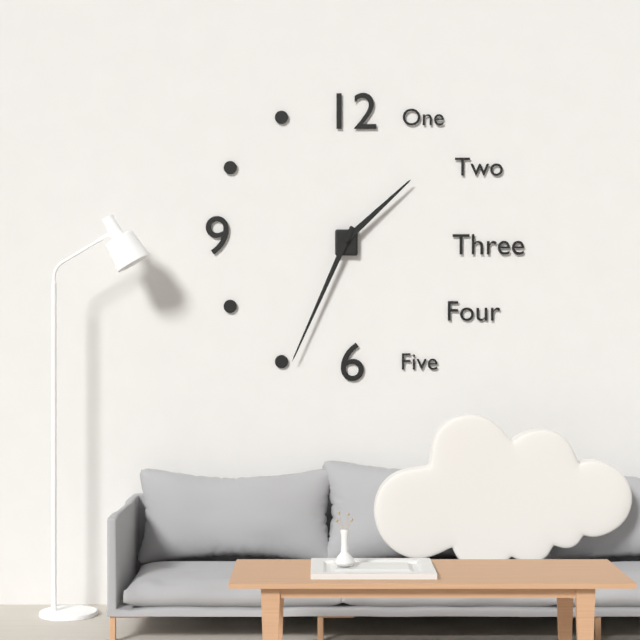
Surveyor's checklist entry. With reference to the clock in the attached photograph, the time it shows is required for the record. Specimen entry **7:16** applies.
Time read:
**1:34**
